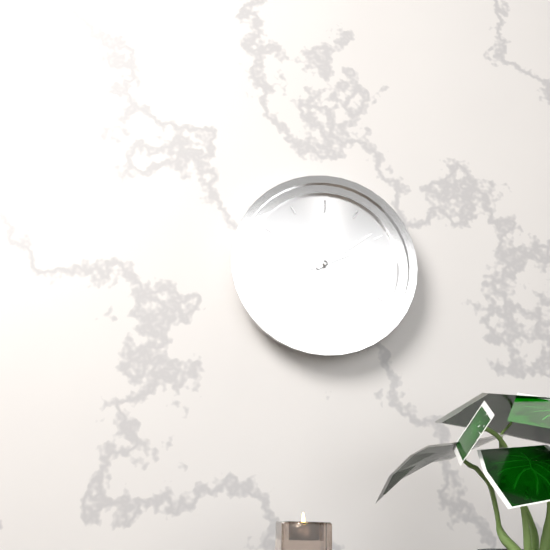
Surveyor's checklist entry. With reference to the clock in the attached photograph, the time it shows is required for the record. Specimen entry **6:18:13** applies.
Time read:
**2:09:41**
